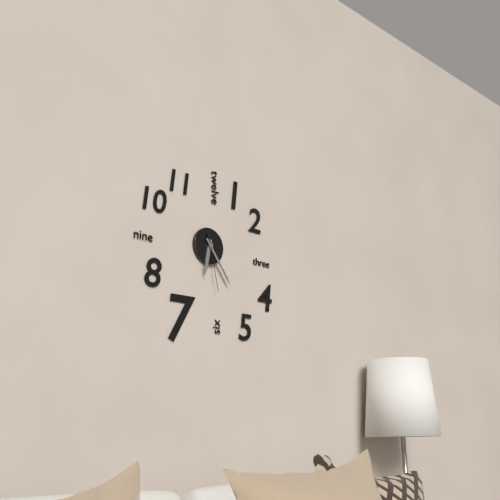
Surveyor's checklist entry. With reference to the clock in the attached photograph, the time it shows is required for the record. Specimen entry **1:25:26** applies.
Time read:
**6:24:28**
